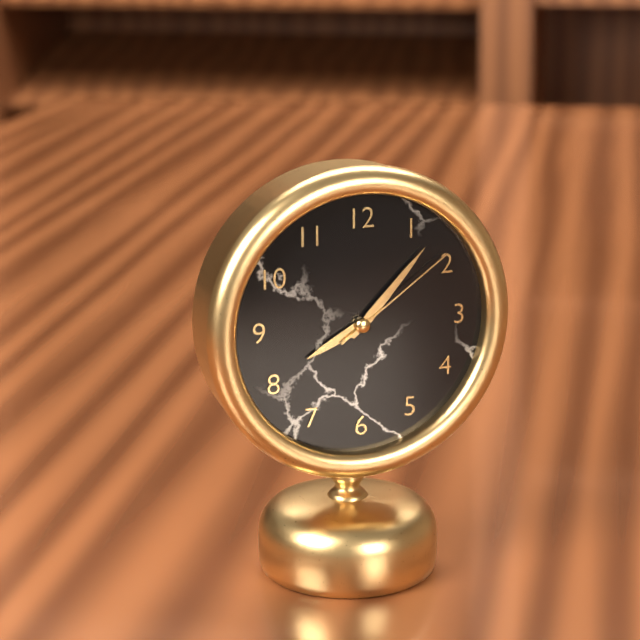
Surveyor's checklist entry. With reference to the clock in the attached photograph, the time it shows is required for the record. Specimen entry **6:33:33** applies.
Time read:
**8:07:09**
